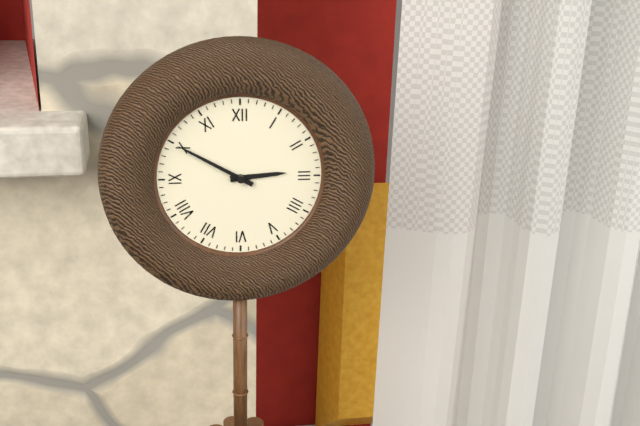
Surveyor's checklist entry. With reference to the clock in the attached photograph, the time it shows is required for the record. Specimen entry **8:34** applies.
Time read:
**2:50**
